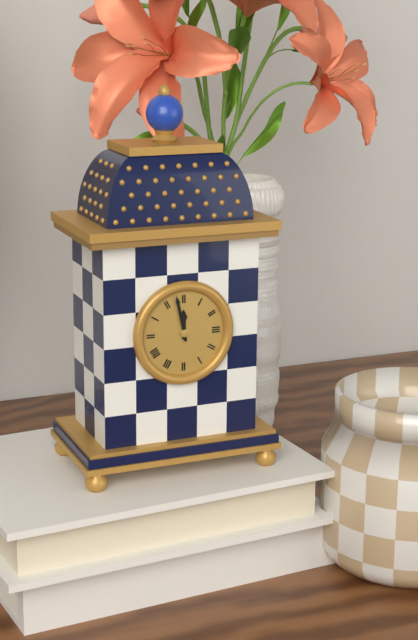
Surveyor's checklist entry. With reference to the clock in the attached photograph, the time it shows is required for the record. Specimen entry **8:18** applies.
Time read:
**11:58**
